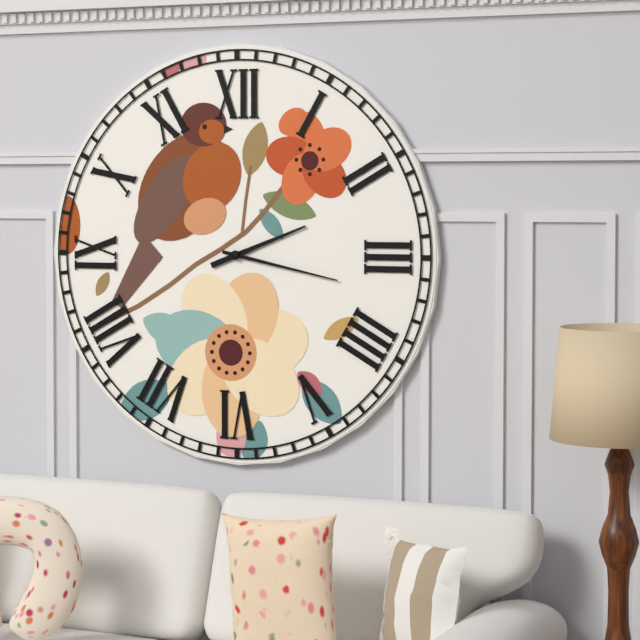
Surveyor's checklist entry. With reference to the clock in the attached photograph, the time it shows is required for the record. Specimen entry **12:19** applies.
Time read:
**2:17**
